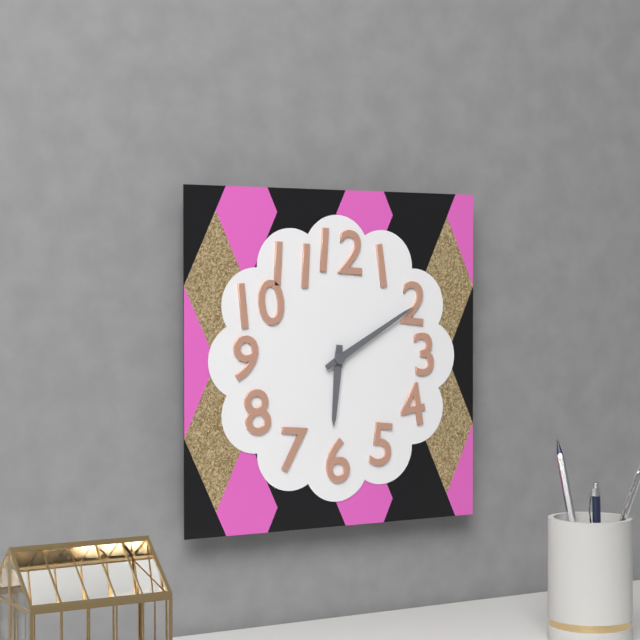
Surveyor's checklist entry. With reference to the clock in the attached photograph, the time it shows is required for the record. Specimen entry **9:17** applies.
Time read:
**6:10**
